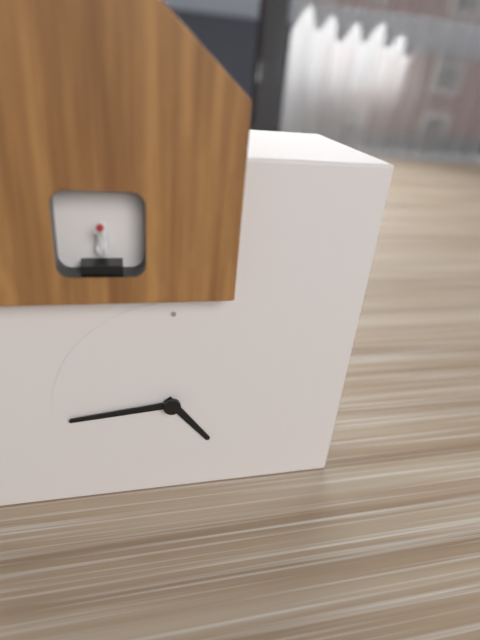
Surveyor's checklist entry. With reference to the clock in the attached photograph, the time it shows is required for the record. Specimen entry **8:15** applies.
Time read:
**4:44**
